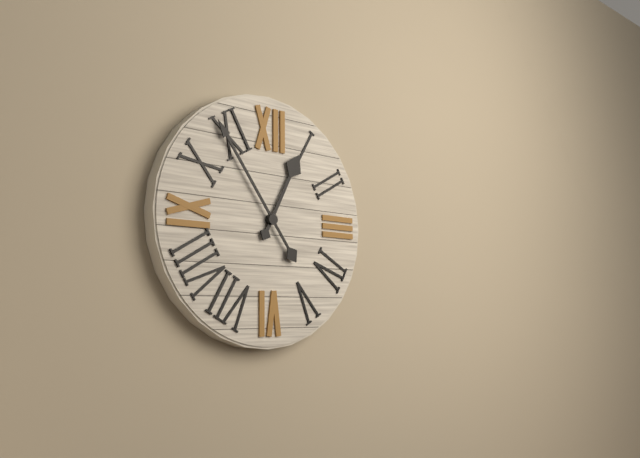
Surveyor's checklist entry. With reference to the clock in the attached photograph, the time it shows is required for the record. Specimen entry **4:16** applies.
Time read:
**12:54**
